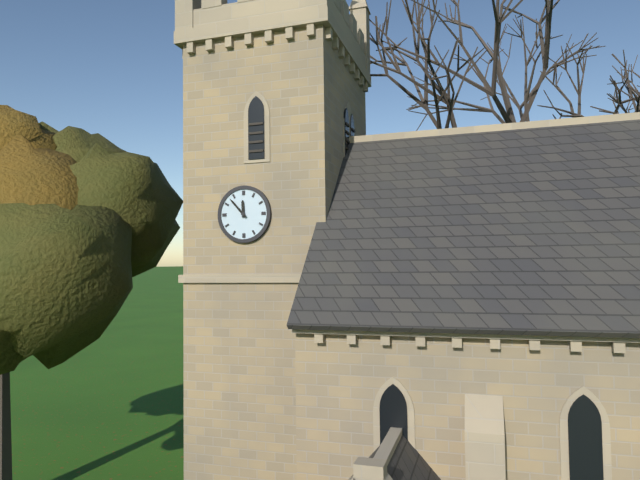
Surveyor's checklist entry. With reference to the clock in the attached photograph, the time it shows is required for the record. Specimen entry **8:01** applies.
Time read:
**11:53**
